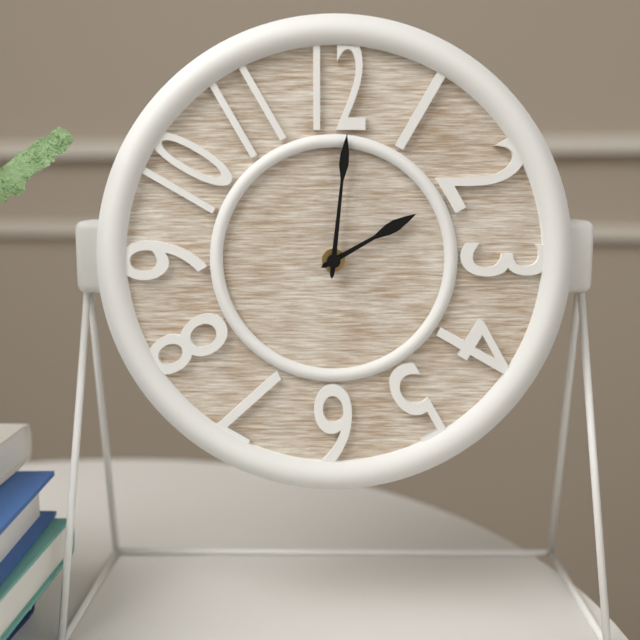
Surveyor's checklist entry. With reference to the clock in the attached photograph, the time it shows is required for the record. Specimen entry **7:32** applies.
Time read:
**2:01**
